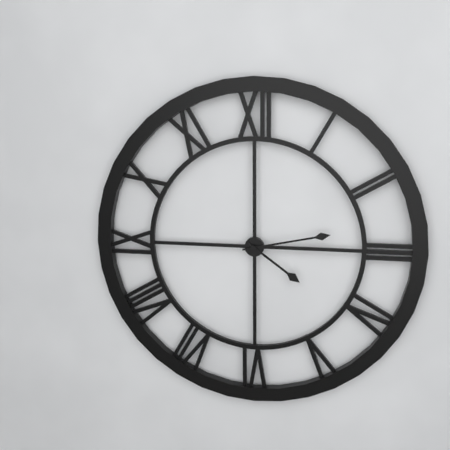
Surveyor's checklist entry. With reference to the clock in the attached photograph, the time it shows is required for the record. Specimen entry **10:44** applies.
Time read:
**4:13**
